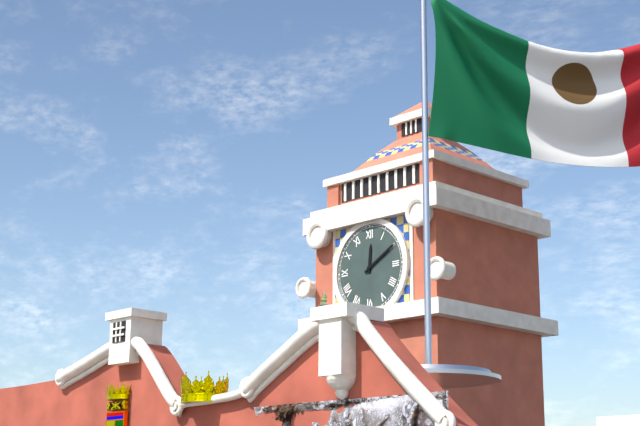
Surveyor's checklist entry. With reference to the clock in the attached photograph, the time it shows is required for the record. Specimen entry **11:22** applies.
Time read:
**12:10**
